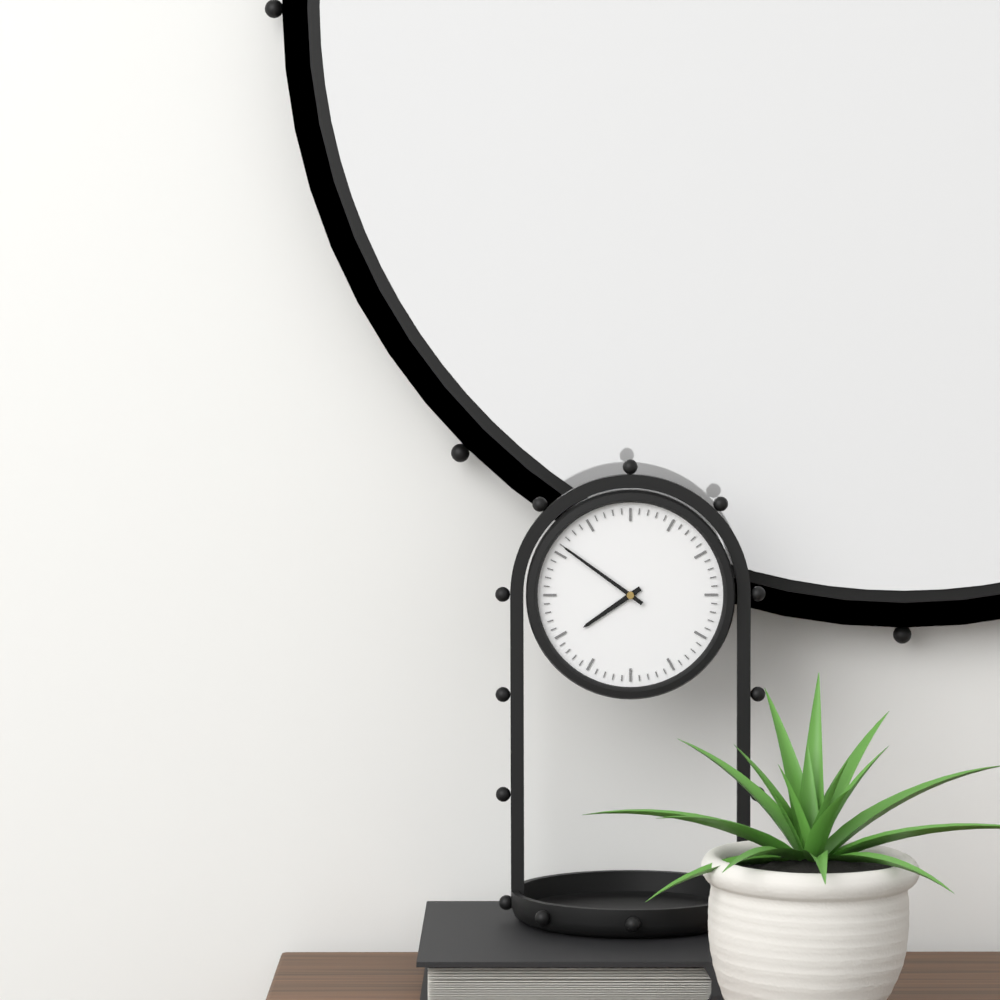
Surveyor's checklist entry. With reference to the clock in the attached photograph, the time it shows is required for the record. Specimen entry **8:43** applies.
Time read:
**7:51**
